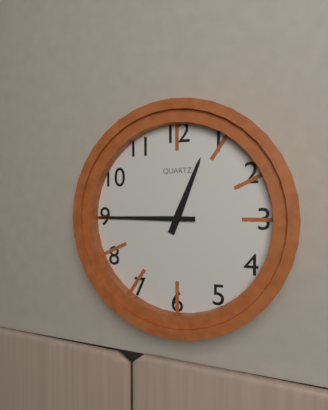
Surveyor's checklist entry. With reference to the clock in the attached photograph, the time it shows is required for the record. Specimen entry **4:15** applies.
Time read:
**12:45**
